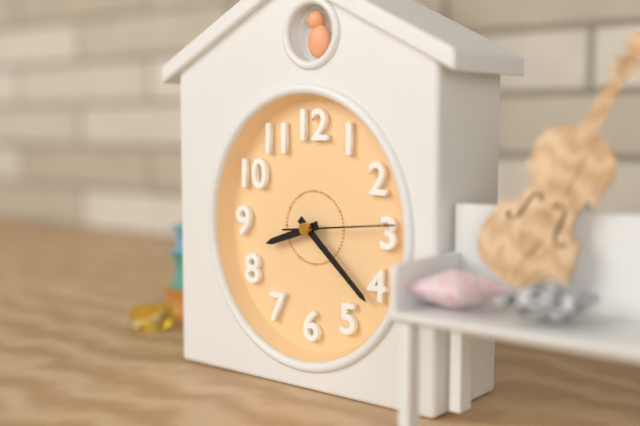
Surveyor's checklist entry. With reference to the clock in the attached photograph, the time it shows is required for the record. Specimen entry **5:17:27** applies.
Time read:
**8:22:14**
